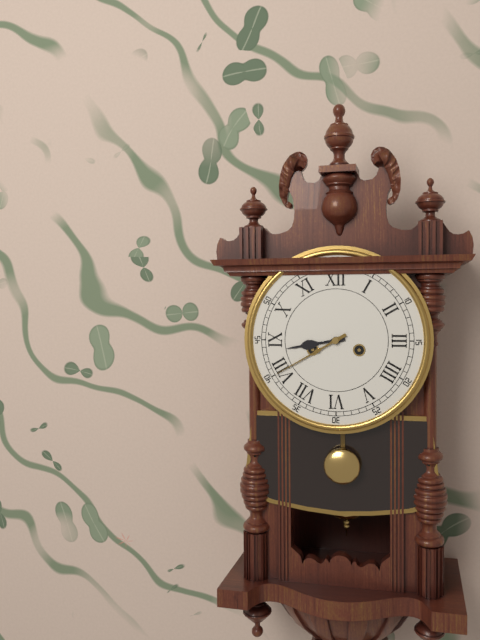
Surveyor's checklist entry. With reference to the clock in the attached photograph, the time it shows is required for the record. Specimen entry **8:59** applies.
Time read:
**8:40**
